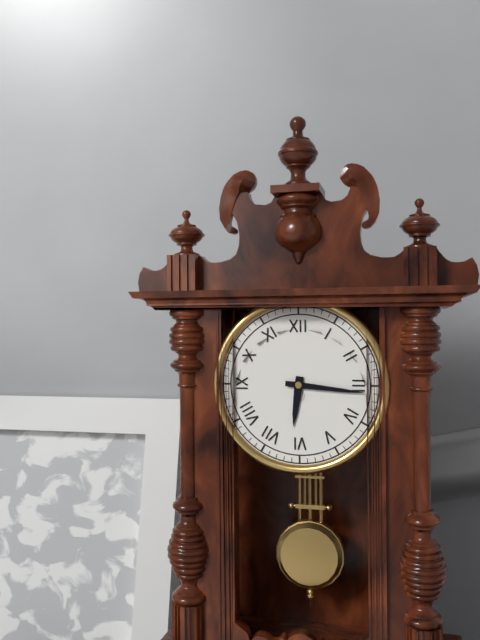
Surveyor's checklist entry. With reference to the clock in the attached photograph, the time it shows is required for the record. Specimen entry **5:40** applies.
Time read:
**6:16**
